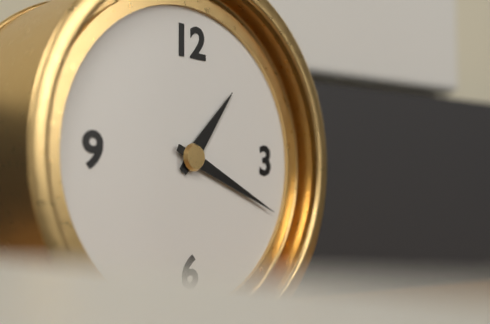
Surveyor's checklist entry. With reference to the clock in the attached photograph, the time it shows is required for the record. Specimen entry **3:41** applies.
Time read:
**1:19**
